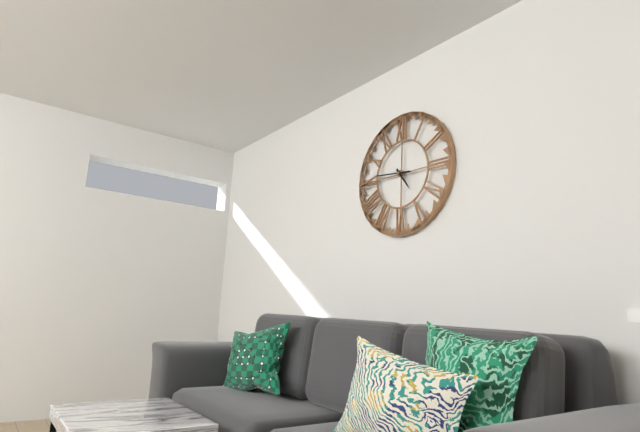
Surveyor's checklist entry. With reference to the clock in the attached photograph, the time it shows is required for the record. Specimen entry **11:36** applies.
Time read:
**4:46**
